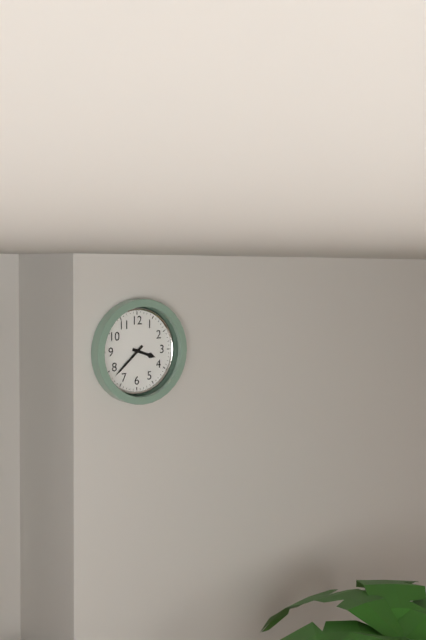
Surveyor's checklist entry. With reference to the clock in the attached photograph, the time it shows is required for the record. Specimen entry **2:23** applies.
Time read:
**3:38**
